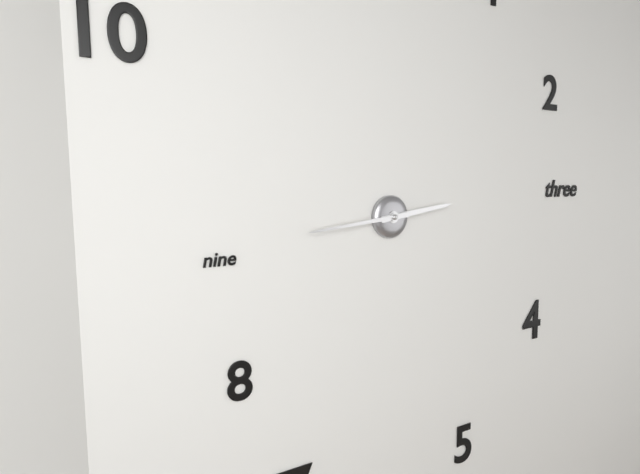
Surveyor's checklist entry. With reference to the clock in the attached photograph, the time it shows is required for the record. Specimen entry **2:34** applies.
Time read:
**2:44**
